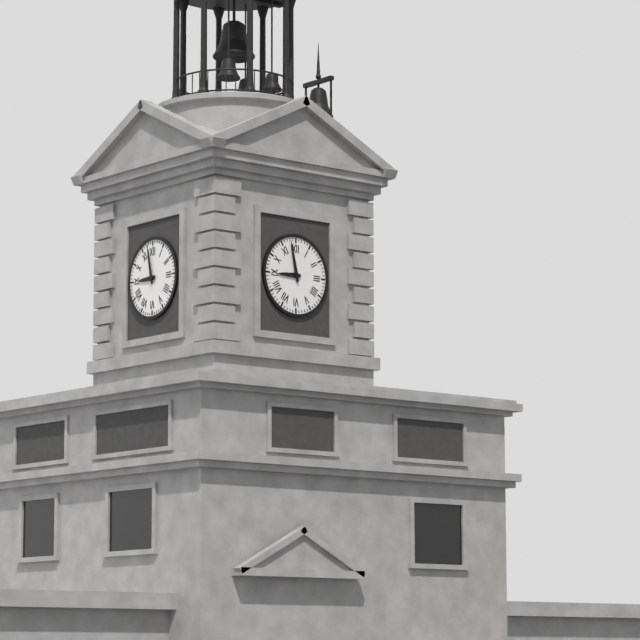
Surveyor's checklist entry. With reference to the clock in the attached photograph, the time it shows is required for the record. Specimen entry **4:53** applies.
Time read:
**8:58**
